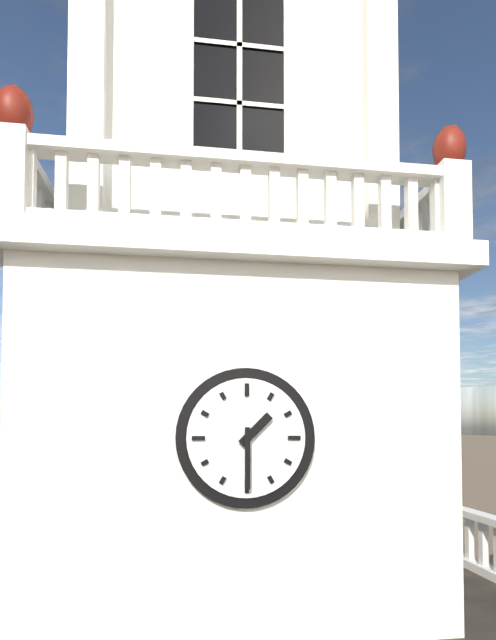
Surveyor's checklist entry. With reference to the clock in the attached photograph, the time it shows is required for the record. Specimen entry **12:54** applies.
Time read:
**1:30**
